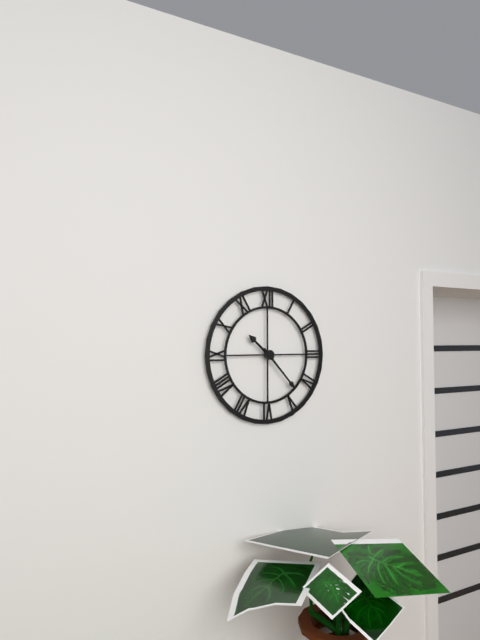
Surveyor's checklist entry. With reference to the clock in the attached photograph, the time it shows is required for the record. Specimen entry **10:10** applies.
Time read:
**10:23**
